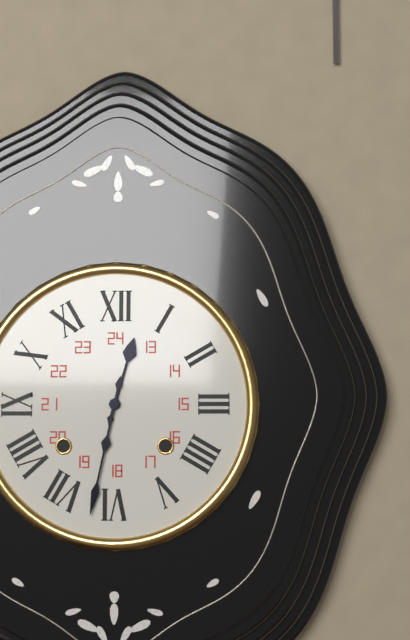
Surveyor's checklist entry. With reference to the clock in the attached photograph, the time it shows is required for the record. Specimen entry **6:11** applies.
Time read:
**12:32**
